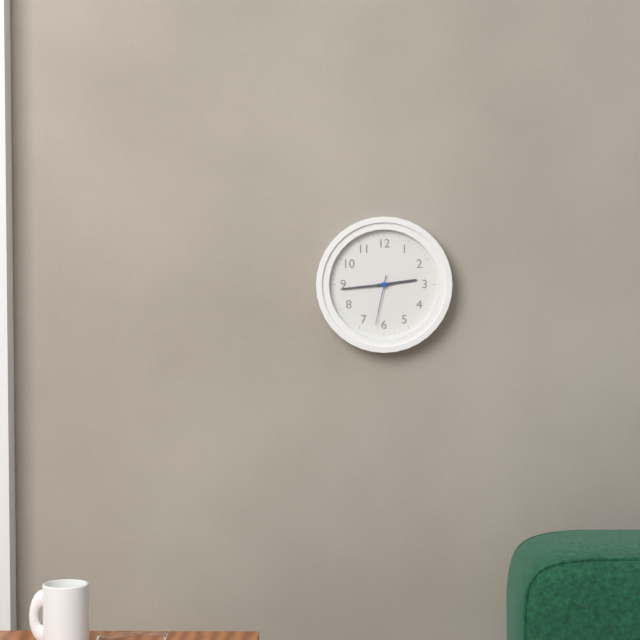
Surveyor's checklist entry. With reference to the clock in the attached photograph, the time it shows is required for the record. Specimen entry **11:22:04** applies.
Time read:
**2:44:32**
